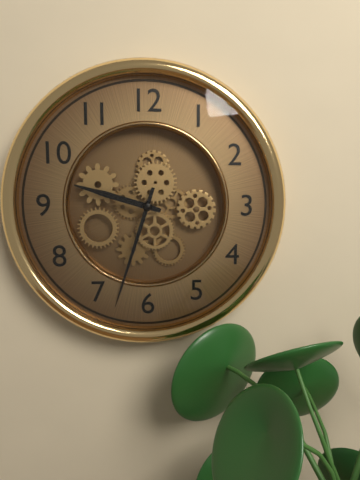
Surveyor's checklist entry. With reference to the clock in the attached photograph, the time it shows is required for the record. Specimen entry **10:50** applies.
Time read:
**9:33**
